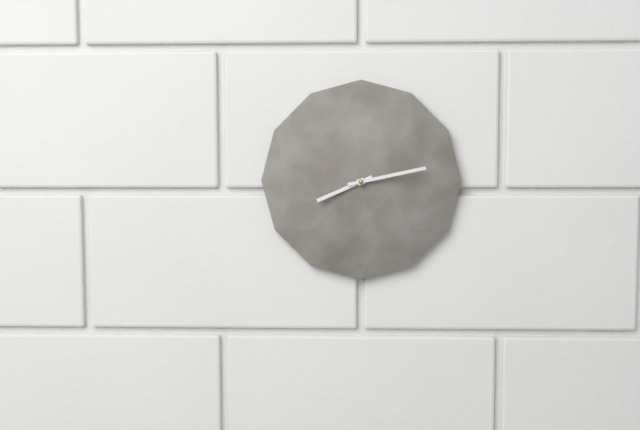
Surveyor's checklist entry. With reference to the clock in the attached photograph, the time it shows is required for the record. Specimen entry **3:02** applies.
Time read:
**8:13**
